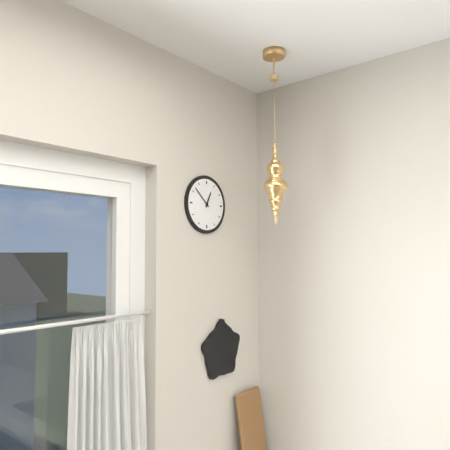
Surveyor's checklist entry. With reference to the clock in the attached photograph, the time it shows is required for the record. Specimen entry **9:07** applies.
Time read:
**12:52**
